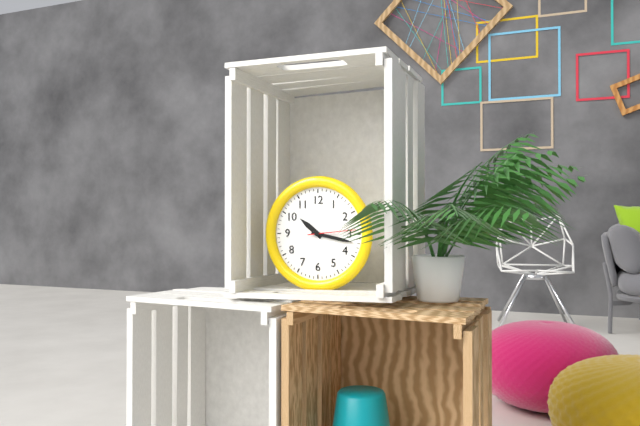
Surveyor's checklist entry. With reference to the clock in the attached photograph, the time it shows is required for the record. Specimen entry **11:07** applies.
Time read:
**10:17**
